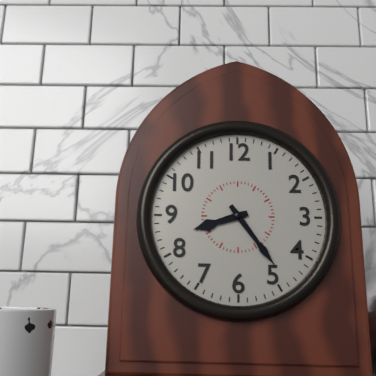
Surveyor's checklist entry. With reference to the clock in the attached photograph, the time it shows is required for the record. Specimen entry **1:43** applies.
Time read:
**8:24**
